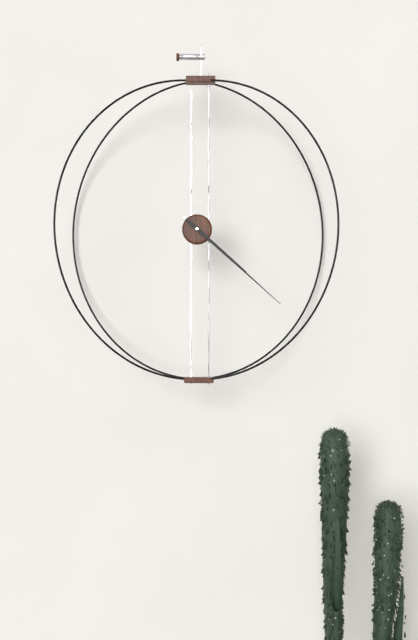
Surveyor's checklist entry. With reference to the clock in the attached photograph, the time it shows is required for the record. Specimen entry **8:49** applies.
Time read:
**4:22**
